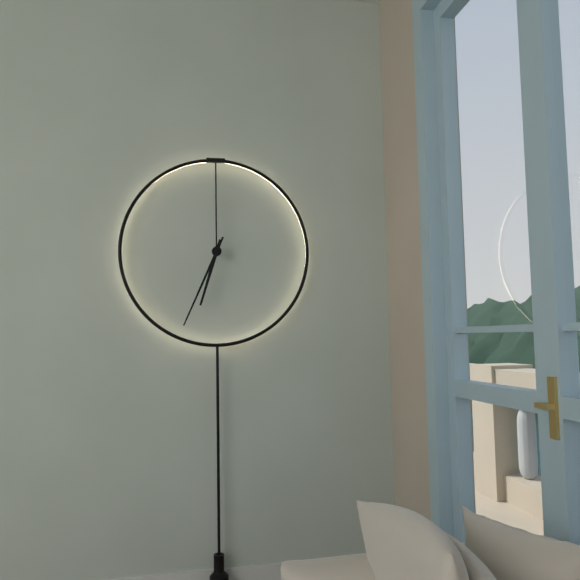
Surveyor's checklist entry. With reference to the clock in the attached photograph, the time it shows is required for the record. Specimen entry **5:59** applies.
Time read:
**6:34**
